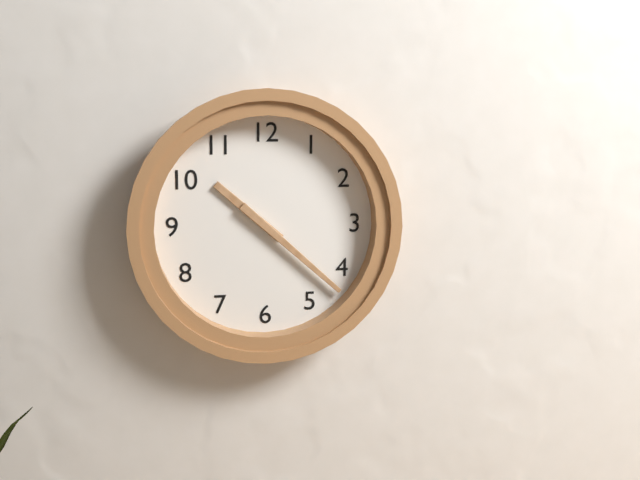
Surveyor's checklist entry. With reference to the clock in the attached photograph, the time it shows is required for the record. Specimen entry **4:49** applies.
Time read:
**10:22**
